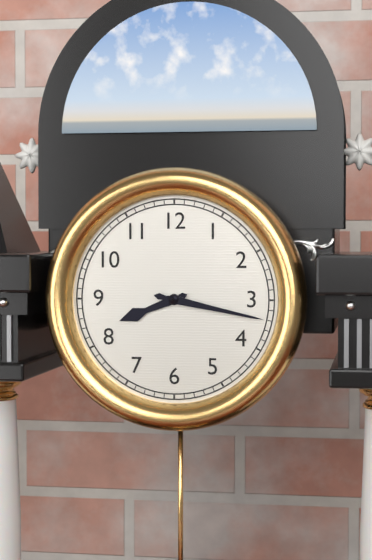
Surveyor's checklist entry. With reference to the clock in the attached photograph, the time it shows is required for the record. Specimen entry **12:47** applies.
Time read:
**8:17**
